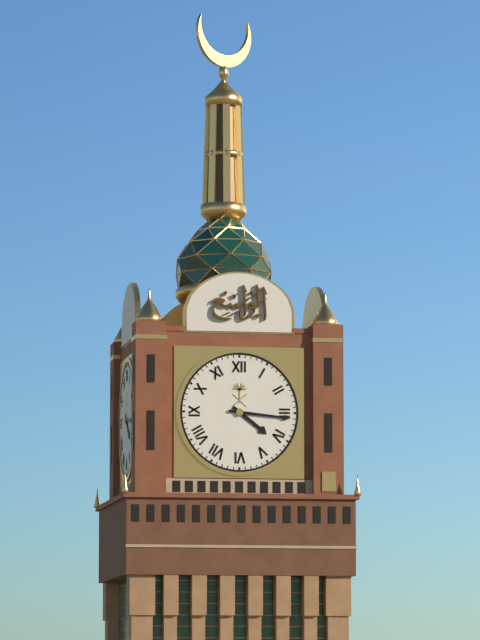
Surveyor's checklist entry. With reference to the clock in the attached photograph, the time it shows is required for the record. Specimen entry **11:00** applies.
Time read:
**4:16**
